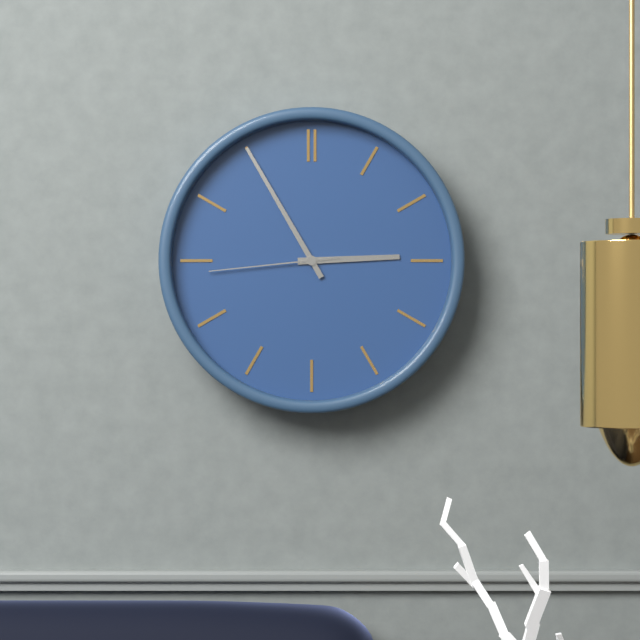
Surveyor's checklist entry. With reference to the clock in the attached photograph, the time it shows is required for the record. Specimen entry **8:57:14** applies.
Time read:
**2:55:44**
